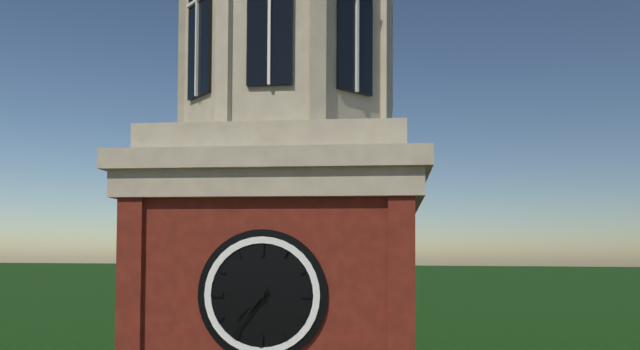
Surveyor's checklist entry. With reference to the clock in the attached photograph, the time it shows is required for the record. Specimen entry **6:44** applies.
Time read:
**7:36**
